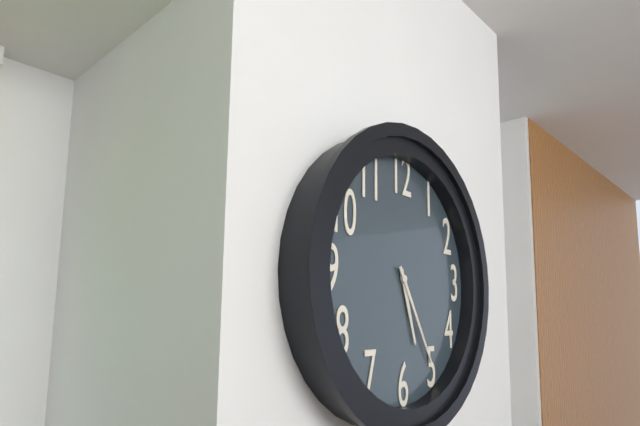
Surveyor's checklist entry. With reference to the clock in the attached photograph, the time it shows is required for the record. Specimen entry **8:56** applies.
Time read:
**5:25**
